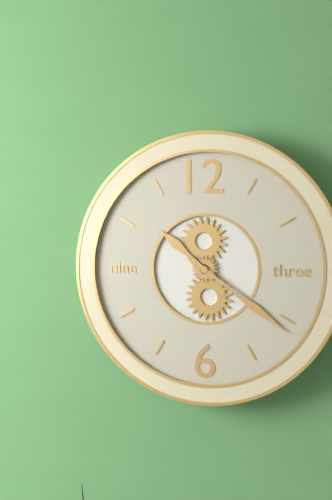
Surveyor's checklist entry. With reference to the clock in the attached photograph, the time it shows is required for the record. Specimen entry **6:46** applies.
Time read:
**10:21**
